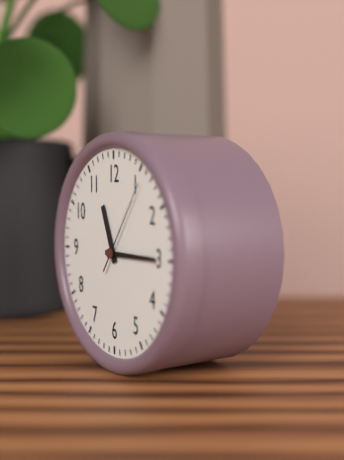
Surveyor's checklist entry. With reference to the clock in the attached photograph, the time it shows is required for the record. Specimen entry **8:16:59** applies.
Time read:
**11:15:06**
